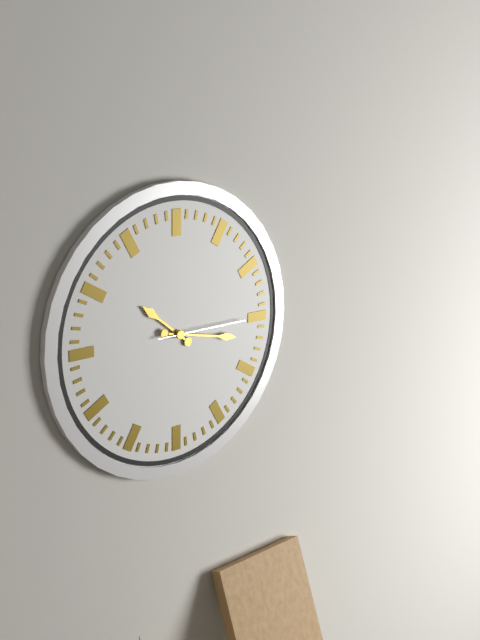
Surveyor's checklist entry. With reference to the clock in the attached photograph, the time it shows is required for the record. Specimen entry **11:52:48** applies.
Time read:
**10:17:15**
